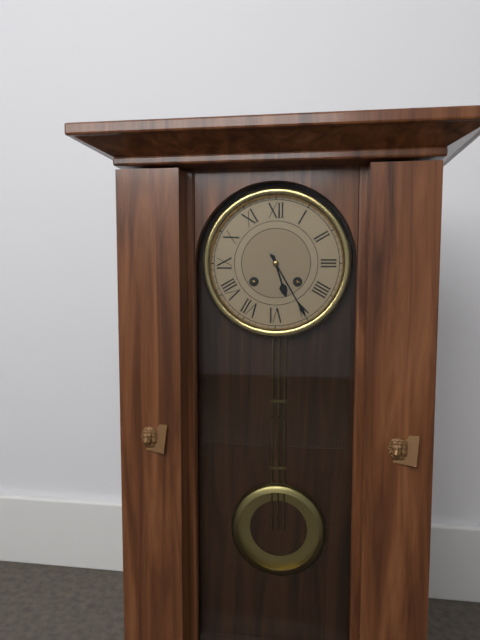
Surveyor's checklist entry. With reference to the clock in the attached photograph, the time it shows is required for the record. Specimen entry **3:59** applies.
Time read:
**5:25**
